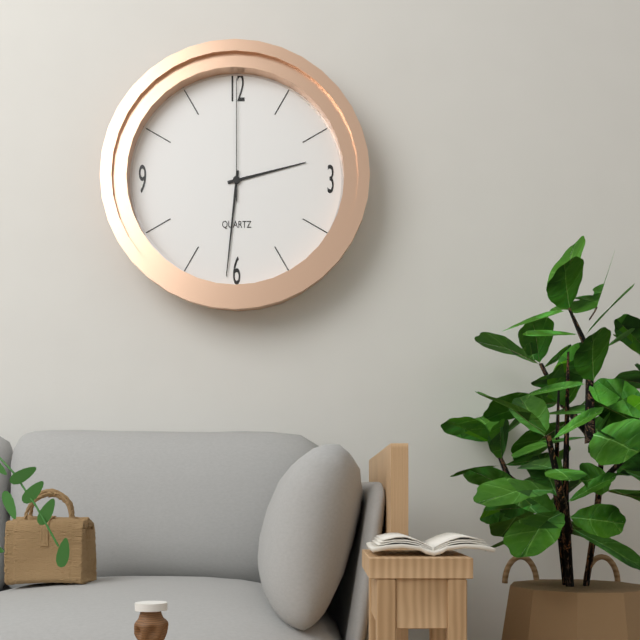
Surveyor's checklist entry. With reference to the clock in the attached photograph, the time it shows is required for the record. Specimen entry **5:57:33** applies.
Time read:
**2:31:00**
